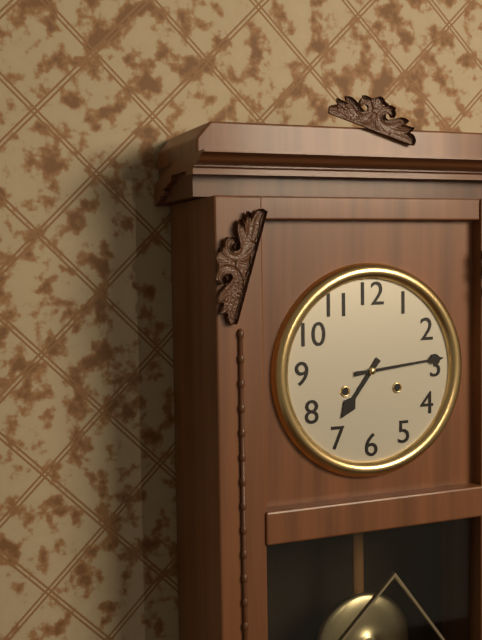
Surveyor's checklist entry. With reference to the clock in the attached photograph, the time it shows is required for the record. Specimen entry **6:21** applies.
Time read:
**7:14**
